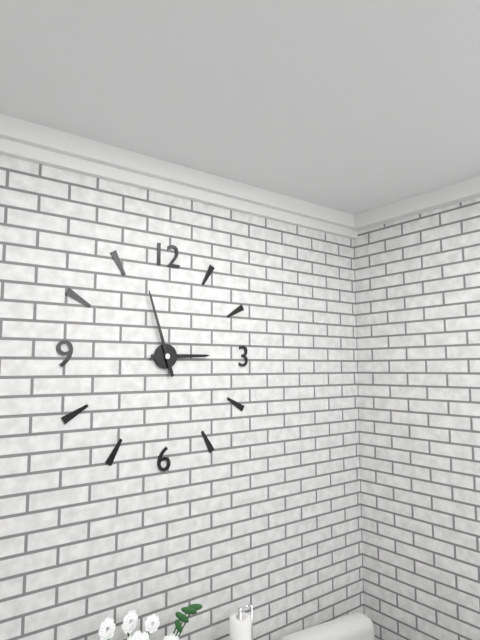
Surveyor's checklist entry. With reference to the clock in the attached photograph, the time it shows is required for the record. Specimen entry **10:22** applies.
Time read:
**2:57**
